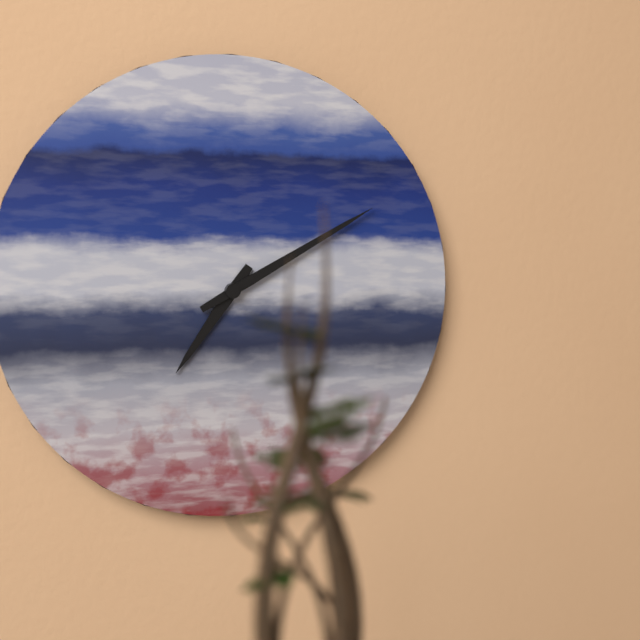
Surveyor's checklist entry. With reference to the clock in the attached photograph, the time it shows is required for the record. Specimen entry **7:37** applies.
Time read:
**7:10**
